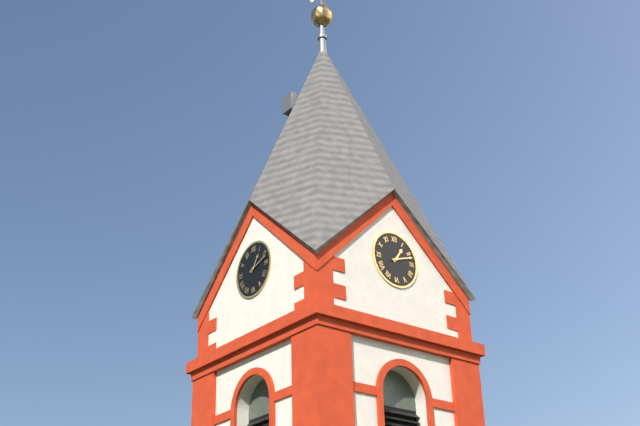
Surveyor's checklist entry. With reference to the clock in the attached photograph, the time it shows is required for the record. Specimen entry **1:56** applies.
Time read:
**1:12**
